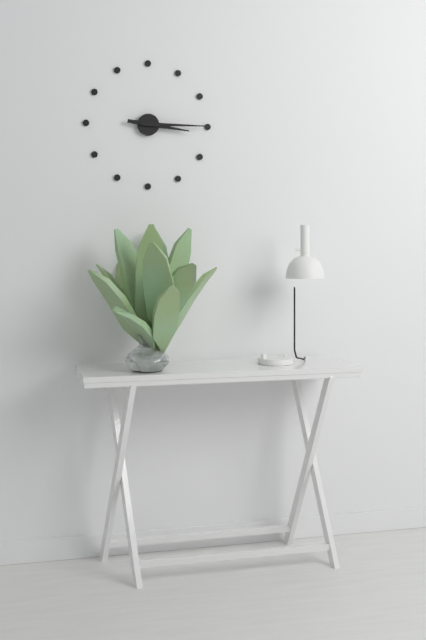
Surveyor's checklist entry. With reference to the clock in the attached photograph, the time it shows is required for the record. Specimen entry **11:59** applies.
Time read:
**3:15**
